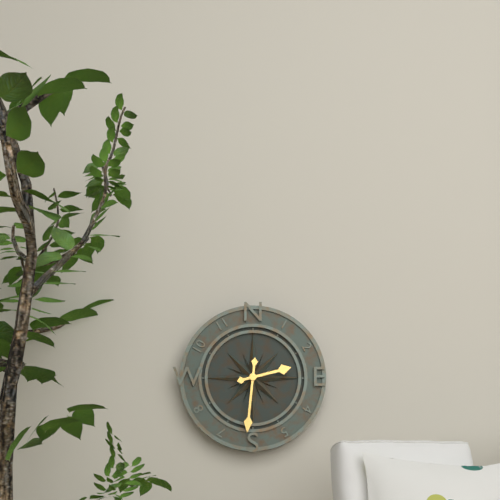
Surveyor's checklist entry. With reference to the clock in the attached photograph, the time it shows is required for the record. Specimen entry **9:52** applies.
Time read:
**2:31**
